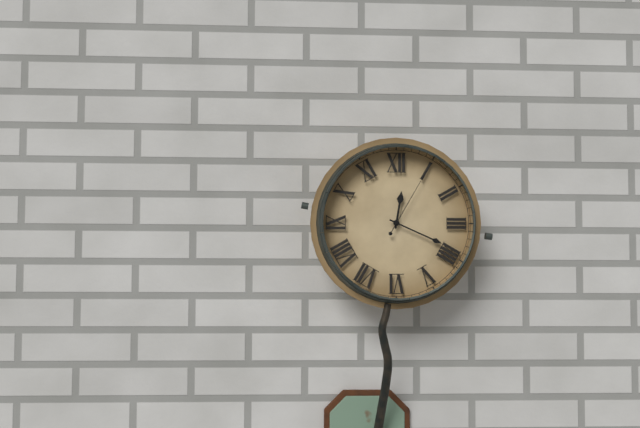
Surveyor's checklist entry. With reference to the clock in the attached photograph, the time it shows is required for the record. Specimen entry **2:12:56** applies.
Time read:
**12:19:05**
